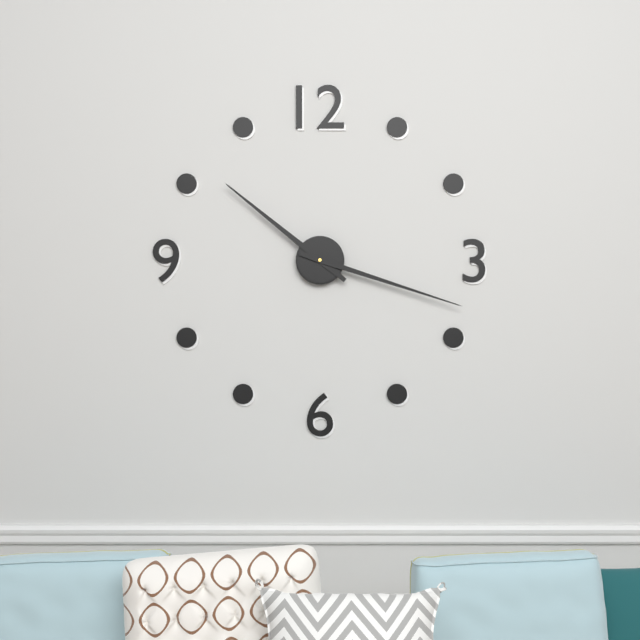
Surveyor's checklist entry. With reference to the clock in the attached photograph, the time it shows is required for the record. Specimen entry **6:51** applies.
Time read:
**10:18**
